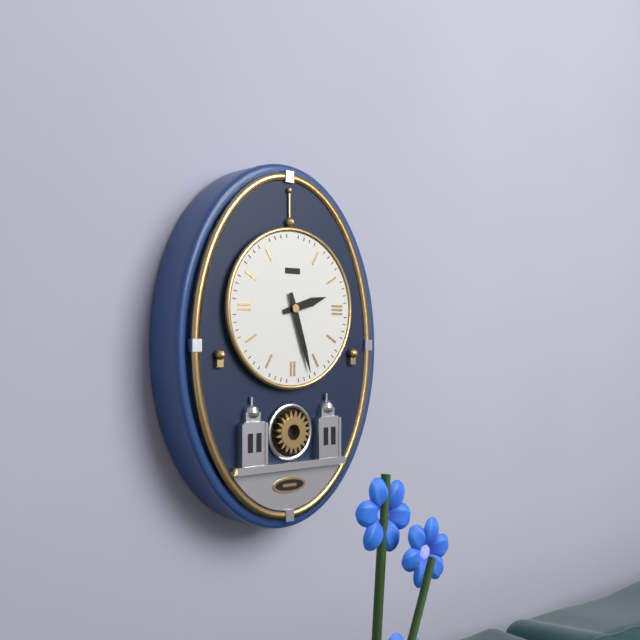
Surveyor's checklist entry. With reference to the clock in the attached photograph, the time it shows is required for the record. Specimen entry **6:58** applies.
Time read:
**2:27**
